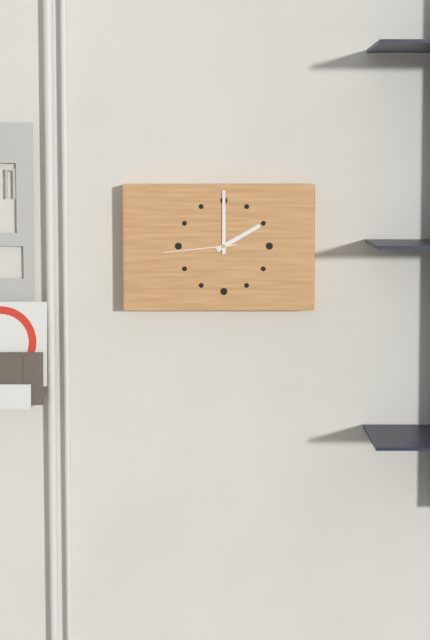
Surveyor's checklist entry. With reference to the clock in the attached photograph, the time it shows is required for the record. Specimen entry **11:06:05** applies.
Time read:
**2:00:44**
